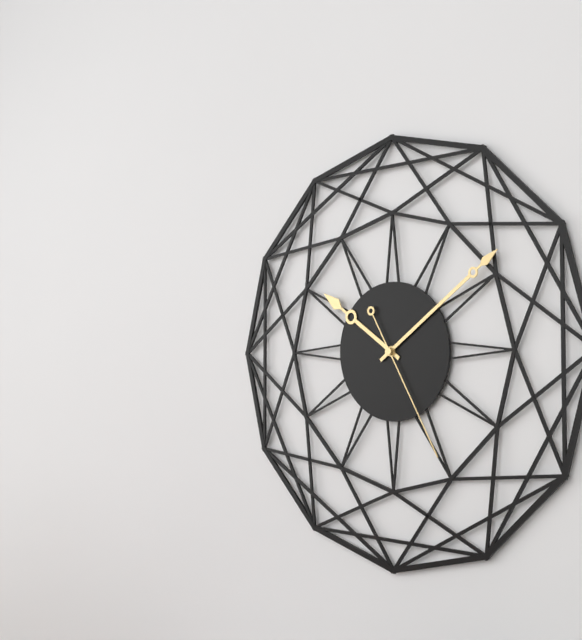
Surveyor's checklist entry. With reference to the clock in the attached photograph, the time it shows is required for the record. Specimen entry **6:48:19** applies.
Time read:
**10:09:25**
